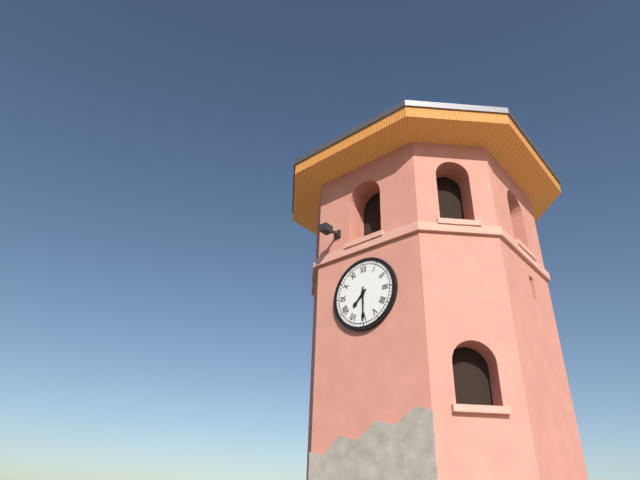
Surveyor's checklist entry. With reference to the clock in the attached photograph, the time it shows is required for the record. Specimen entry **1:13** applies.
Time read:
**7:30**
